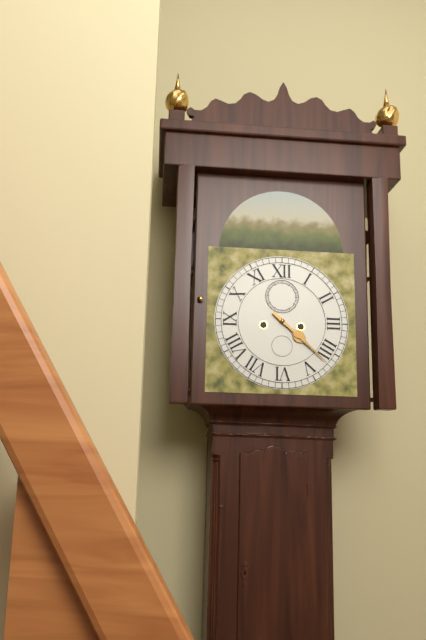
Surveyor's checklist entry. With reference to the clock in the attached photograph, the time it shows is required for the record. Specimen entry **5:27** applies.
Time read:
**4:22**
